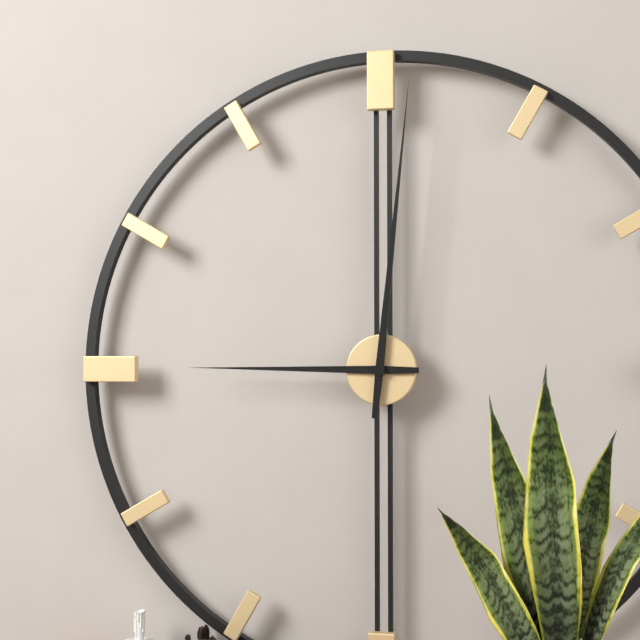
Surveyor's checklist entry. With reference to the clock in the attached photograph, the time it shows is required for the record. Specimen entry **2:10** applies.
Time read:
**9:01**
